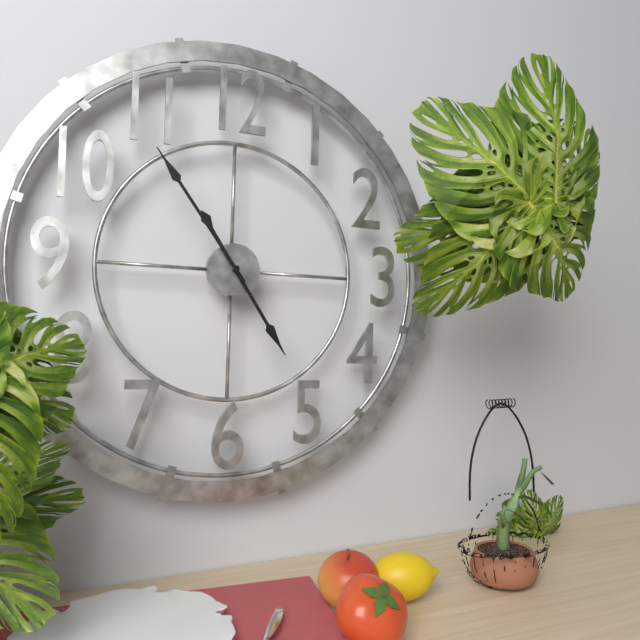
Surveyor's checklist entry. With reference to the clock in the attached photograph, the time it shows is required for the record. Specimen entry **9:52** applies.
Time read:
**4:54**
